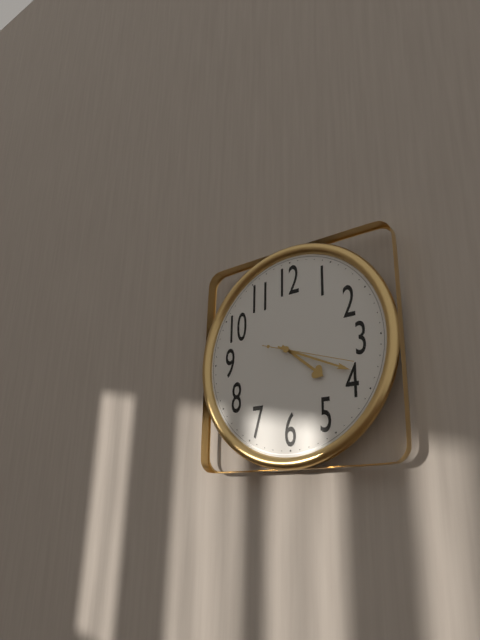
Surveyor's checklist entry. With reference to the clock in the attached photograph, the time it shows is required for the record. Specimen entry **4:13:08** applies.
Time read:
**4:19:18**
